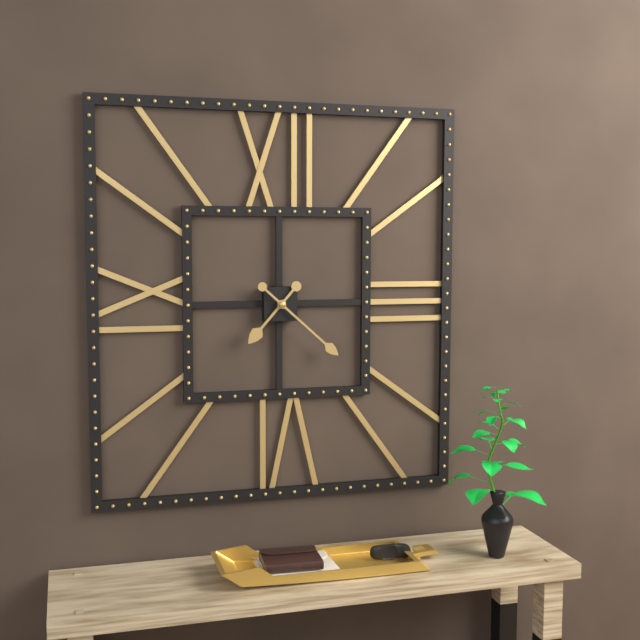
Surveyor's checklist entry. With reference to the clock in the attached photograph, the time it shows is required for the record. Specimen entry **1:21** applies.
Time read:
**7:22**
